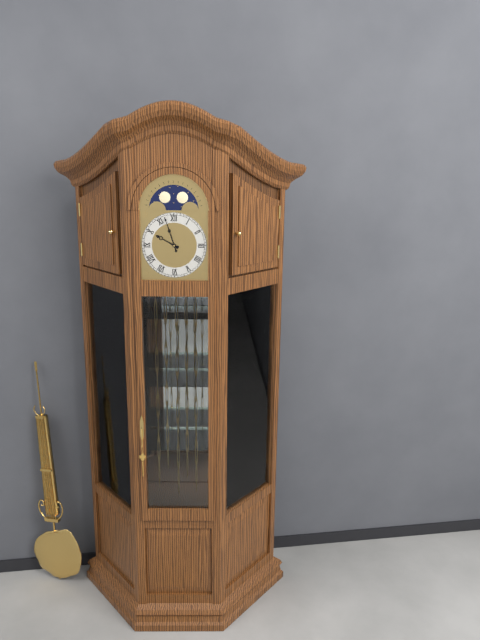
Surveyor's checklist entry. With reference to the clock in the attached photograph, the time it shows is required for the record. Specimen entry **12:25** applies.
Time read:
**9:57**
